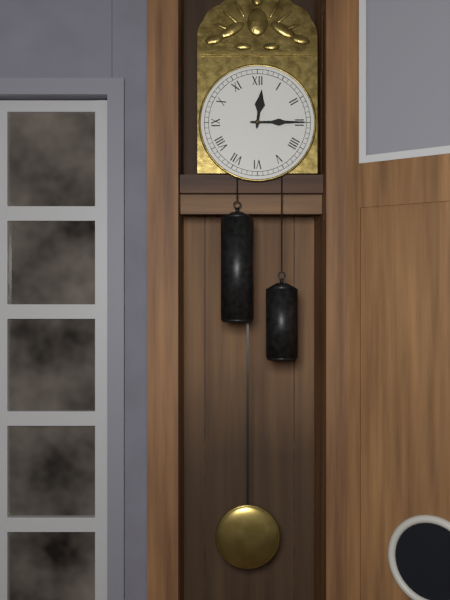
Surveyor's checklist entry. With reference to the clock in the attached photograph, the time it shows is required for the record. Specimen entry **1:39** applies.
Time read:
**12:15**
